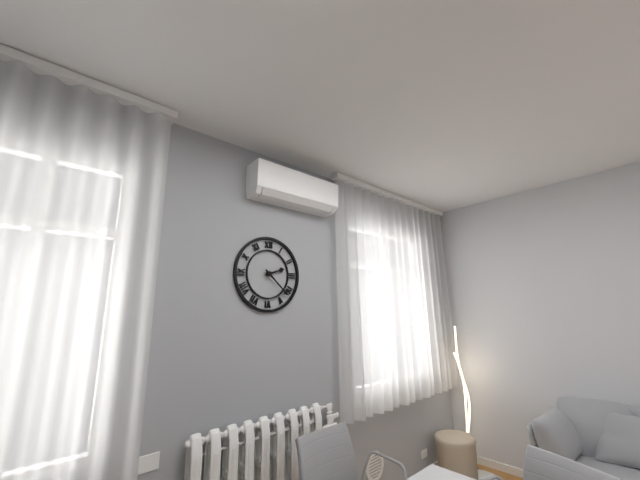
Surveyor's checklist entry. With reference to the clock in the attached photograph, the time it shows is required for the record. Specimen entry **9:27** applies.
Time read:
**2:22**
